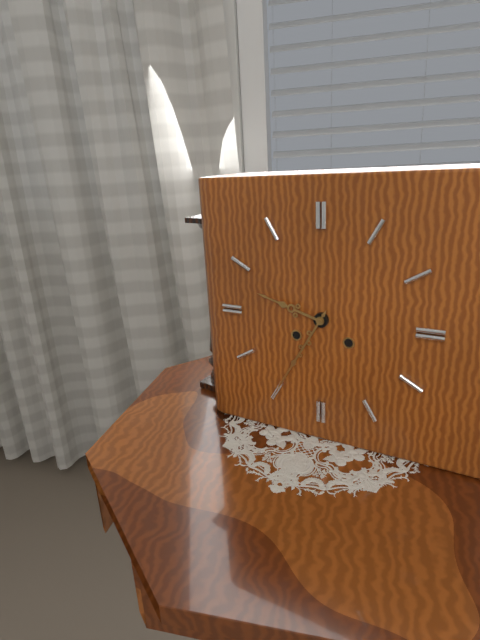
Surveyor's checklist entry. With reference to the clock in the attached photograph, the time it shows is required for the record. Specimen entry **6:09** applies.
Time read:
**9:35**
